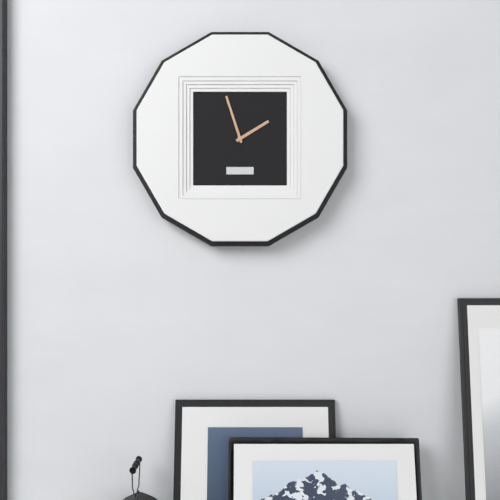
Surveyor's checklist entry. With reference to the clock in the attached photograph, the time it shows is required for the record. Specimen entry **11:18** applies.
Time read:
**1:57**
